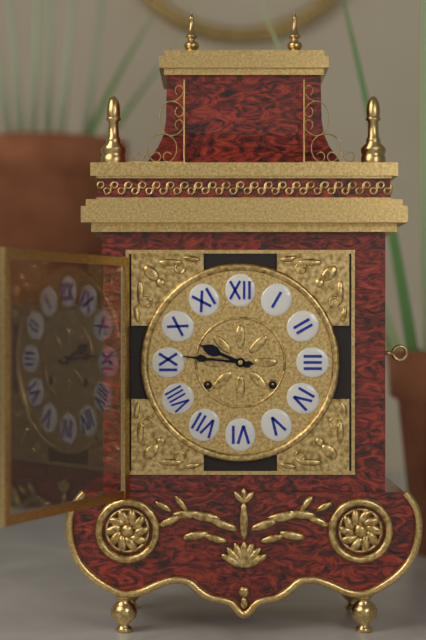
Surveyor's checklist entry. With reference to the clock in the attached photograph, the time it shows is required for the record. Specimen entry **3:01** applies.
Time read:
**9:46**
